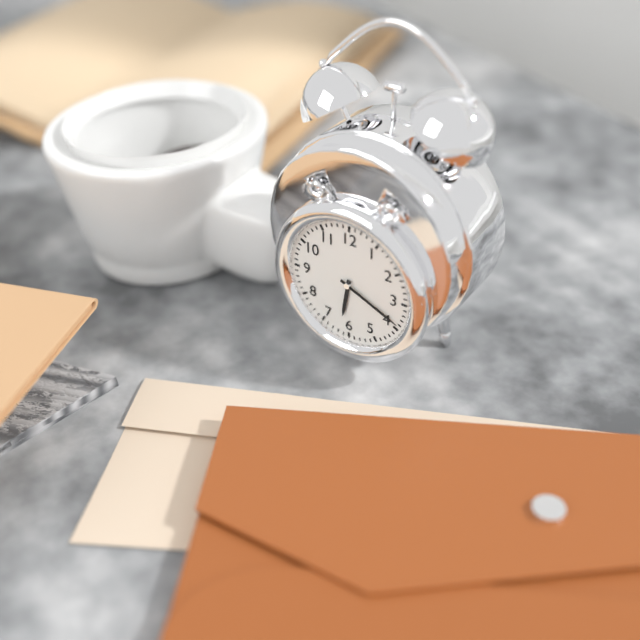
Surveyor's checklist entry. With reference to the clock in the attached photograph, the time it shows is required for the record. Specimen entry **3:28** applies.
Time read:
**6:19**
